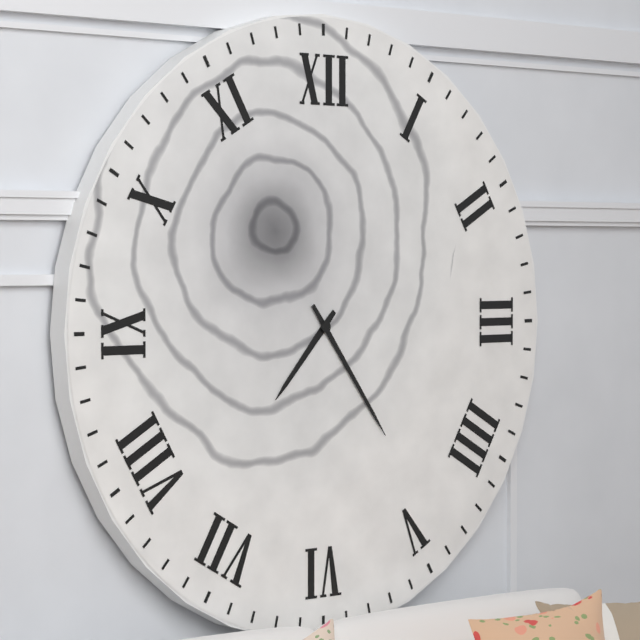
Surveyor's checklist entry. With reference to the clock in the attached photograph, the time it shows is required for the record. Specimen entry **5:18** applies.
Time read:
**7:24**
